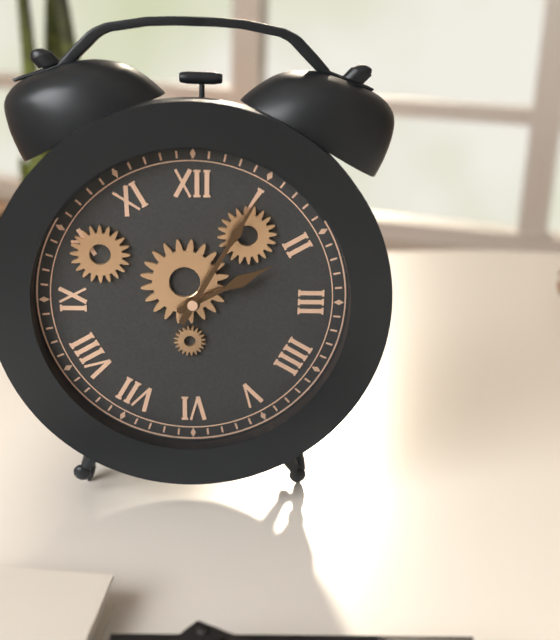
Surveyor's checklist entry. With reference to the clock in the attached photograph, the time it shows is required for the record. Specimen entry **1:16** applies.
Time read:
**2:05**
